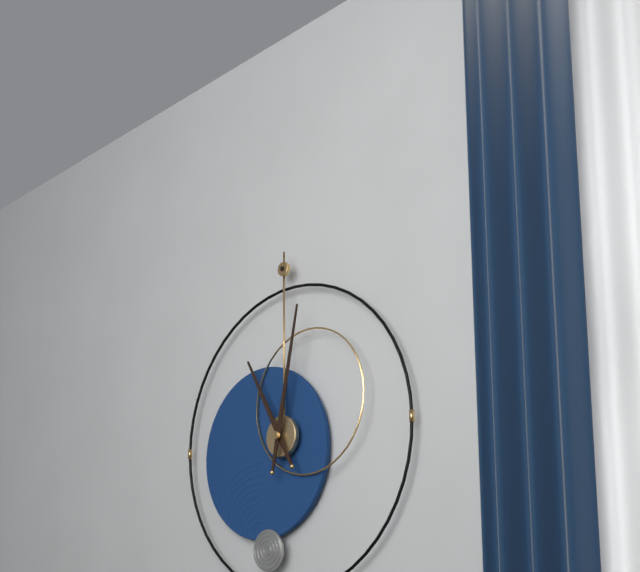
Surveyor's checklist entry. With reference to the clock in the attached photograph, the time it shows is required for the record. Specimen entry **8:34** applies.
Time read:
**11:02**
